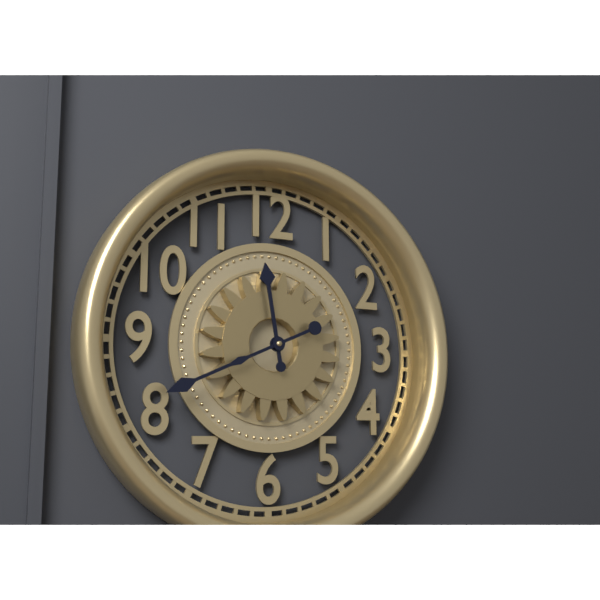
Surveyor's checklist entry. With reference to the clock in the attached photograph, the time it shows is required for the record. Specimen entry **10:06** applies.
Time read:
**11:41**
